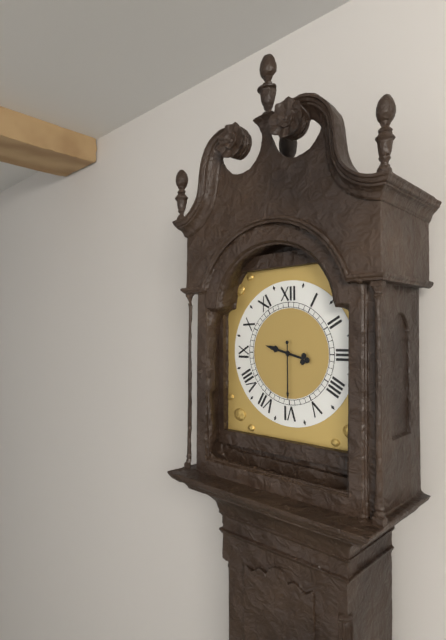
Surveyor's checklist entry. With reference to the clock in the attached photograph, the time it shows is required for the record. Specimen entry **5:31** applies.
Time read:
**9:30**
